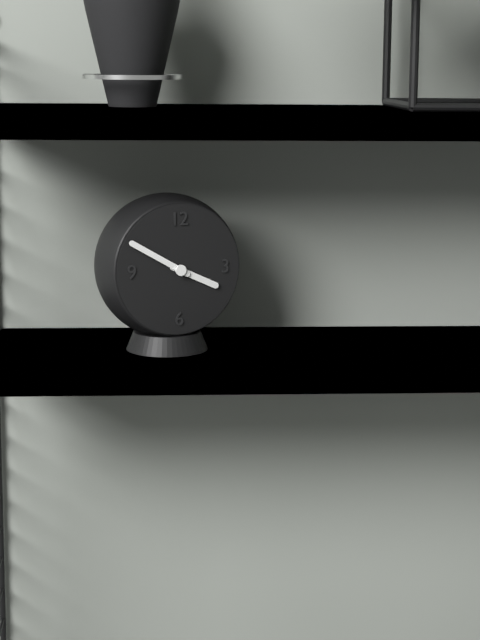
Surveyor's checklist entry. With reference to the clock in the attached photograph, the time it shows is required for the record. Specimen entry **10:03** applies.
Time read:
**3:50**
